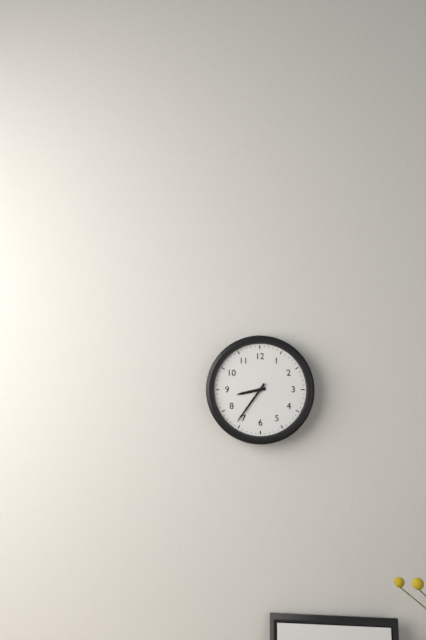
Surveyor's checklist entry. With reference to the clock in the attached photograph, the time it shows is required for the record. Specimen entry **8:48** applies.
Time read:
**8:36**
